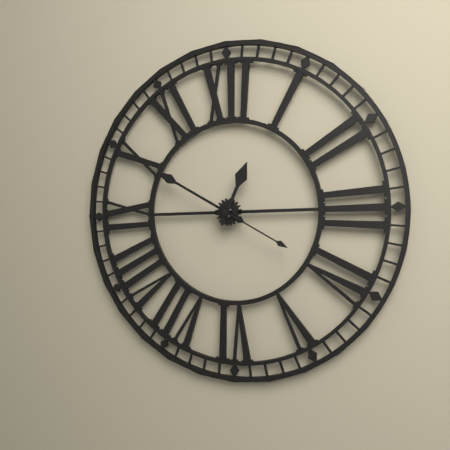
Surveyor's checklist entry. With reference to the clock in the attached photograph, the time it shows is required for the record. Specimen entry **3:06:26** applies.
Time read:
**12:50:20**
